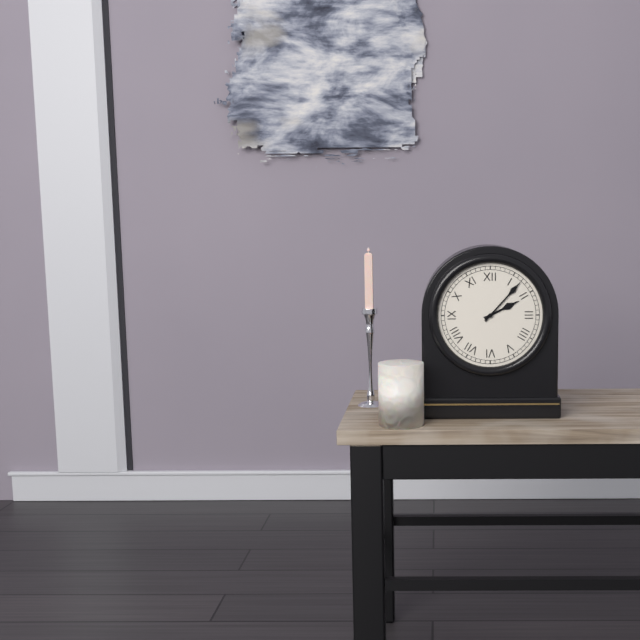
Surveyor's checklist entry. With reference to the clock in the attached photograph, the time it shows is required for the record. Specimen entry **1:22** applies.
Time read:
**2:07**
